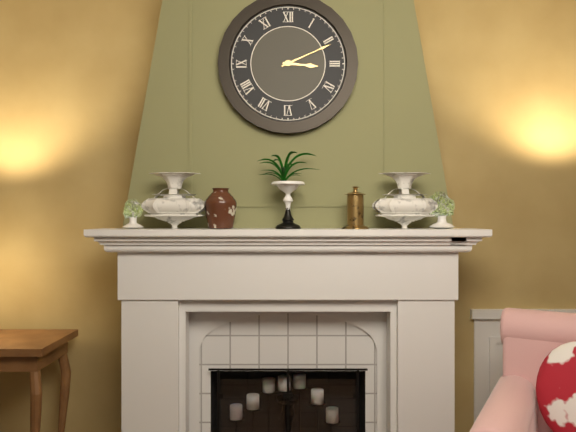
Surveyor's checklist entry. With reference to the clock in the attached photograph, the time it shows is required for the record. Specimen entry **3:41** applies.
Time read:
**3:11**
